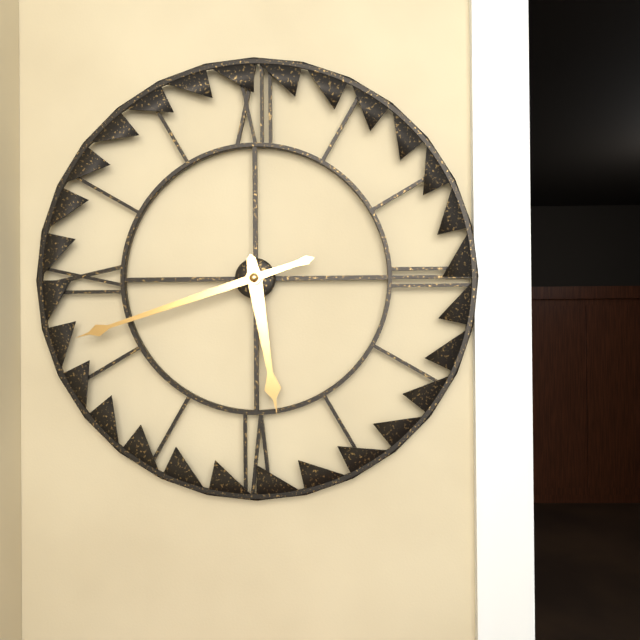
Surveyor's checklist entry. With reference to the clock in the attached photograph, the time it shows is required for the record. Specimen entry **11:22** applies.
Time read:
**5:42**
